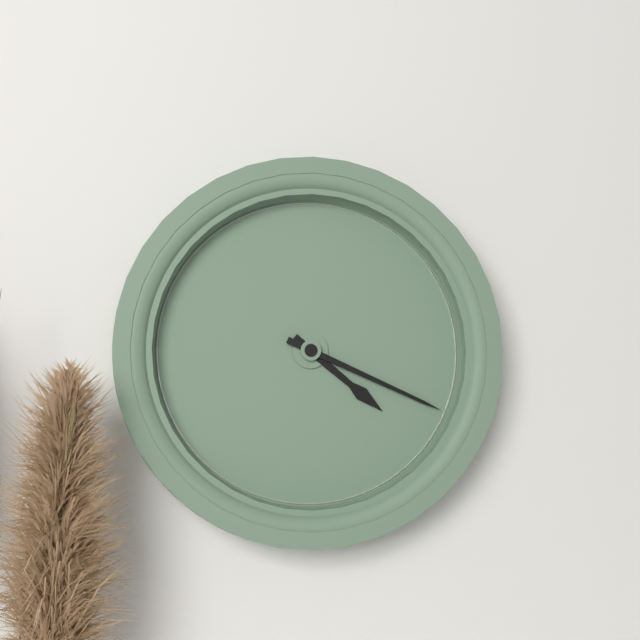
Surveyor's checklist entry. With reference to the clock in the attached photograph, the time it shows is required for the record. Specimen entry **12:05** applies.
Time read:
**4:19**
